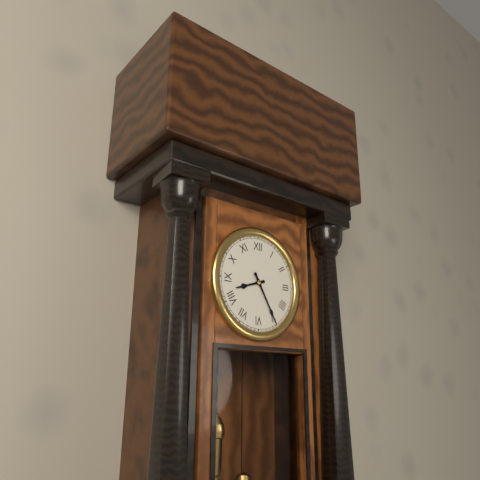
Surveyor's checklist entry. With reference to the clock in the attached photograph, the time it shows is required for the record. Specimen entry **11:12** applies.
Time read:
**8:25**
